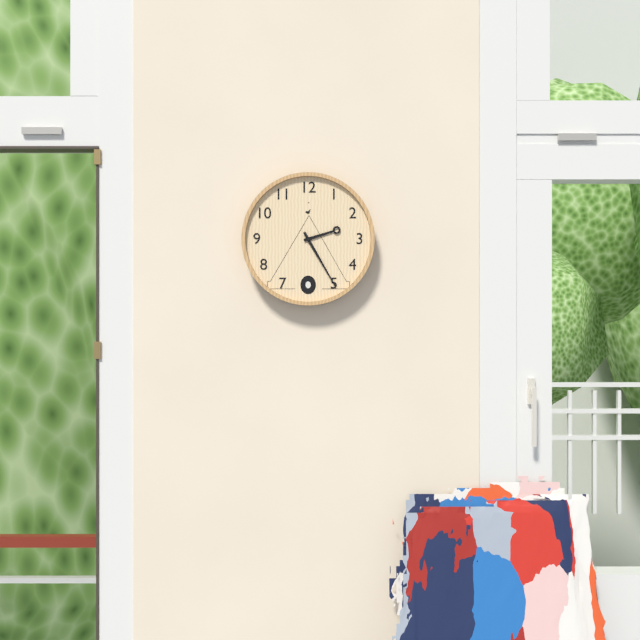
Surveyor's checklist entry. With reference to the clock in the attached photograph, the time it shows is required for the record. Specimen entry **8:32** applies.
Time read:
**2:25**
